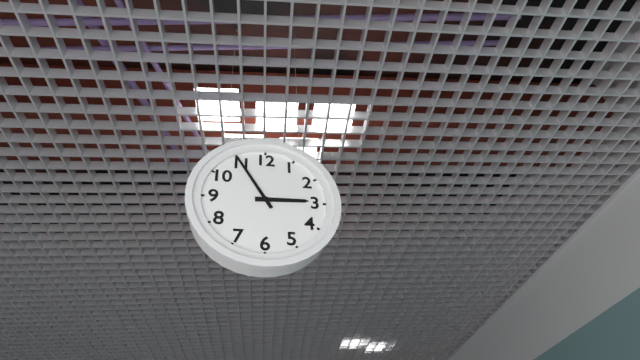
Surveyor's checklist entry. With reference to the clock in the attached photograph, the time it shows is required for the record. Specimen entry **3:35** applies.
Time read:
**2:55**
